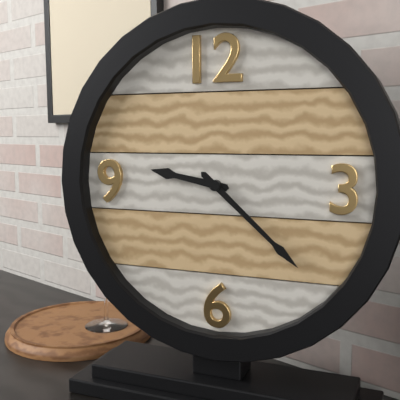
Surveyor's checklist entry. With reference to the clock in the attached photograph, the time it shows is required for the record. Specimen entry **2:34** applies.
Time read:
**9:22**
